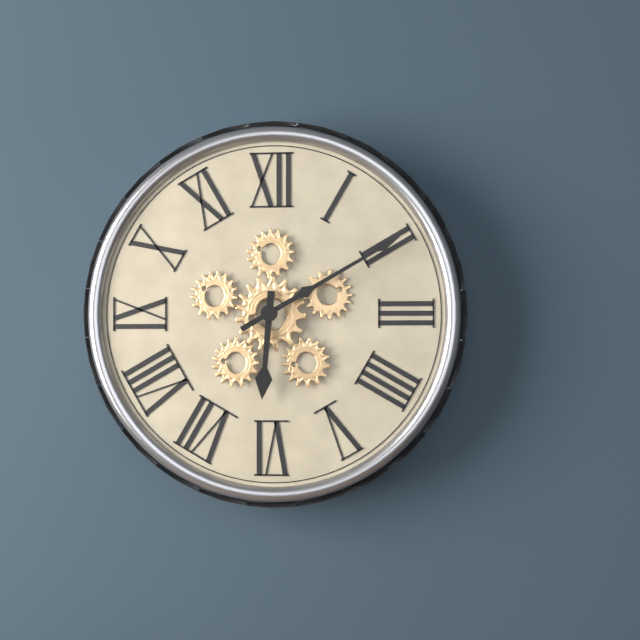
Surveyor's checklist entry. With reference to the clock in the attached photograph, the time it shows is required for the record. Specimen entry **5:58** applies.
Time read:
**6:10**
